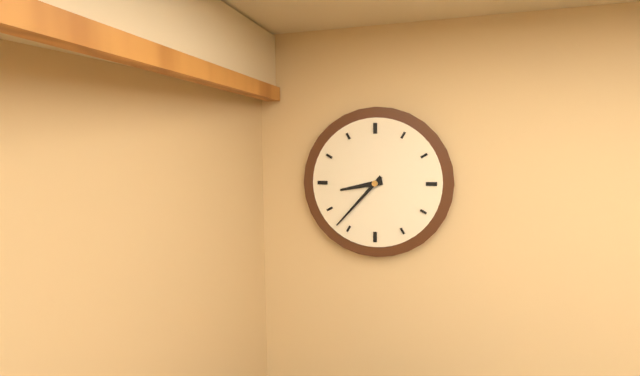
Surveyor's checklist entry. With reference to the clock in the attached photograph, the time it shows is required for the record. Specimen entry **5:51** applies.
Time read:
**8:37**
